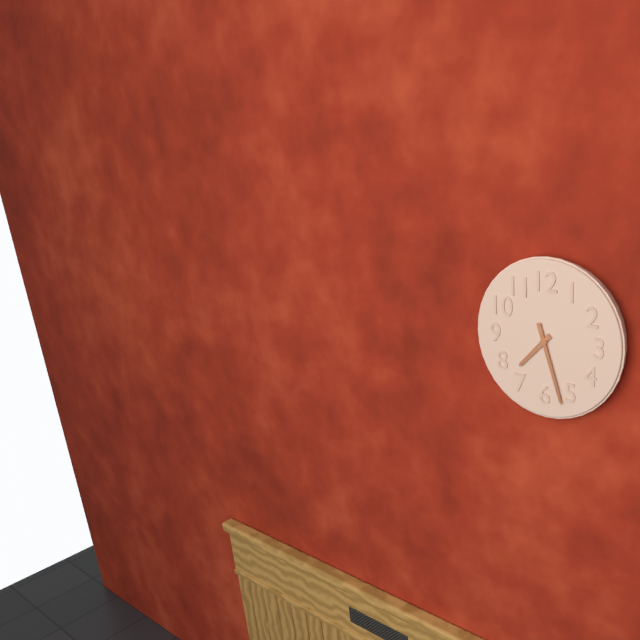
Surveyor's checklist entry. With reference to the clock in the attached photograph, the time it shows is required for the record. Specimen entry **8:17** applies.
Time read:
**7:27**
